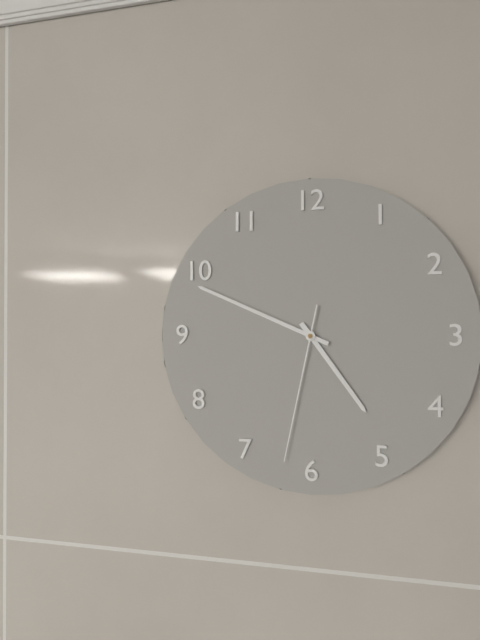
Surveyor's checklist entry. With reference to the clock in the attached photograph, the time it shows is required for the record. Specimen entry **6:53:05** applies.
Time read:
**4:49:32**
